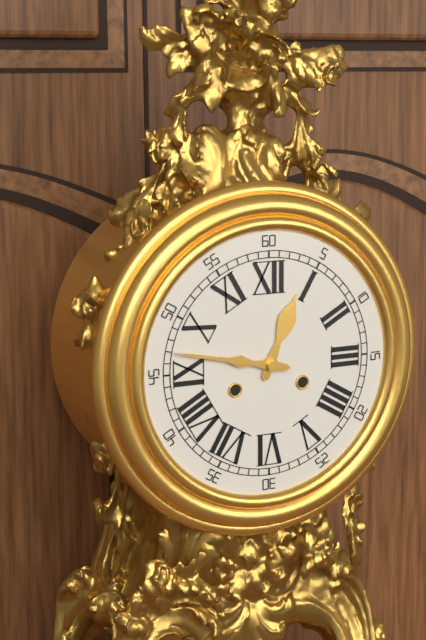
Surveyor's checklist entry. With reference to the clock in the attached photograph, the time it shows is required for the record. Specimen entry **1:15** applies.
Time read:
**12:47**
